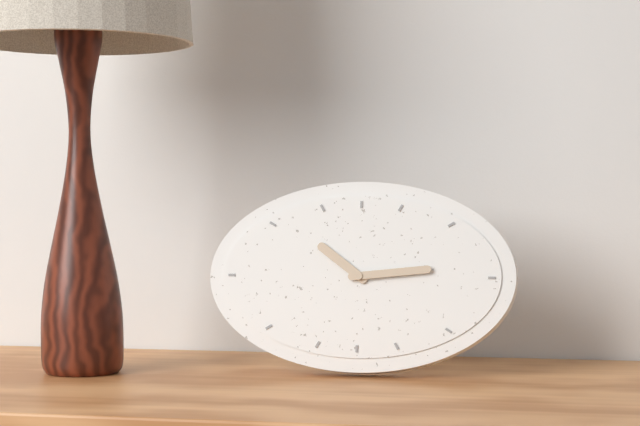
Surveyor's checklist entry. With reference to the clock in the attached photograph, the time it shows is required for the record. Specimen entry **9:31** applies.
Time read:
**10:14**
